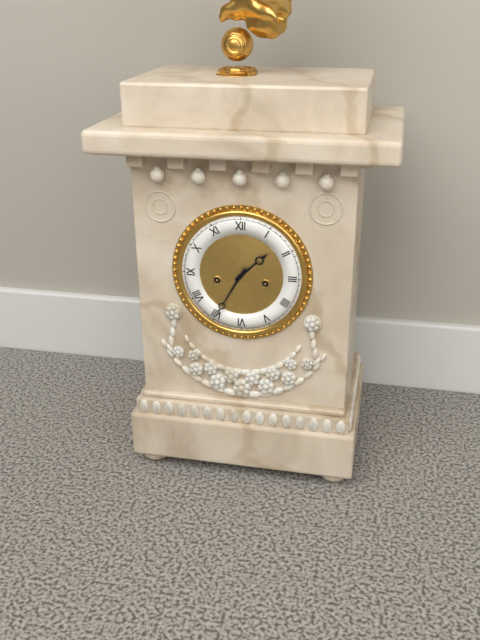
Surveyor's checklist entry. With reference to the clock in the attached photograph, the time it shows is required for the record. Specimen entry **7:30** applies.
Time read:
**1:35**
